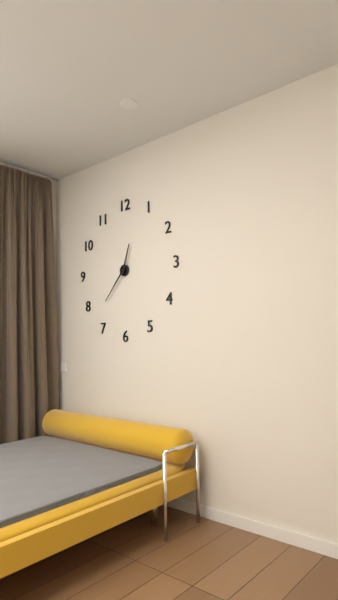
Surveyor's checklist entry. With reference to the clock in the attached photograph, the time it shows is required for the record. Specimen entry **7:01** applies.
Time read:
**12:37**
